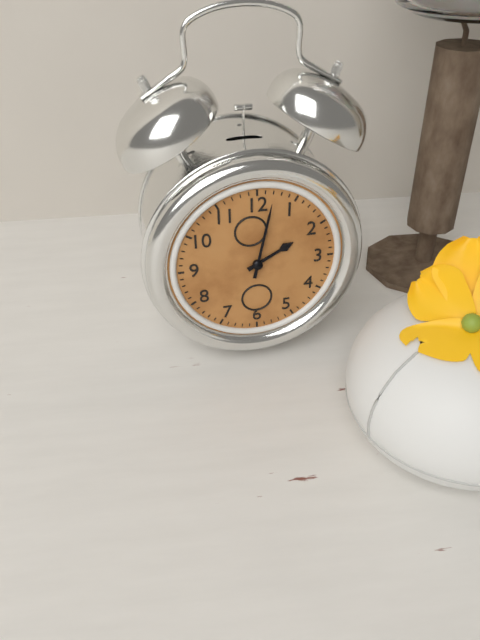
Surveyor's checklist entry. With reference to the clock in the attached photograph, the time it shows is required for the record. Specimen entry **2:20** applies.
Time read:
**2:02**
